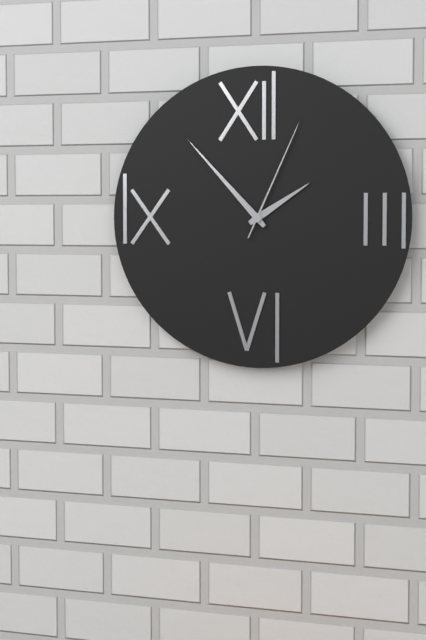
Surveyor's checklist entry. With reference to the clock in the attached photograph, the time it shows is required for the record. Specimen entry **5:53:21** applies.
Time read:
**1:53:04**
